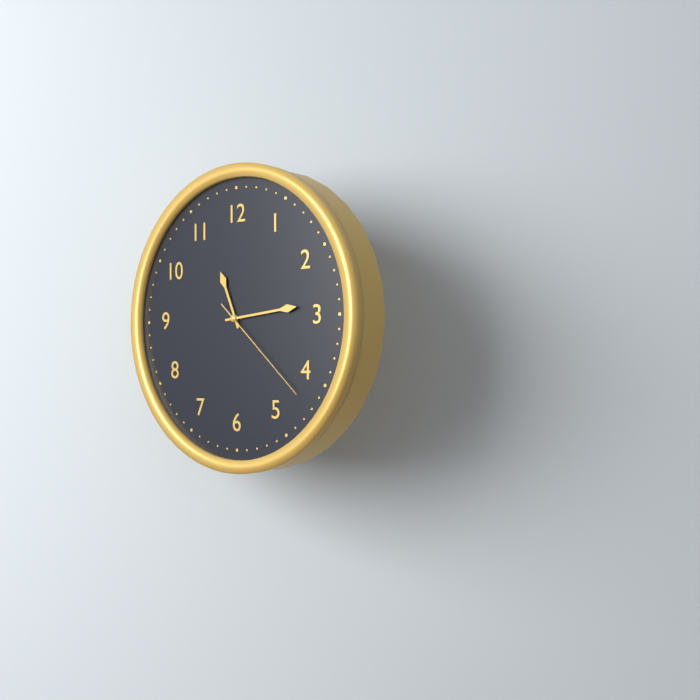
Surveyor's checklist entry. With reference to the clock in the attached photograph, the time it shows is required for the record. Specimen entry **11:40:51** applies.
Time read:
**11:14:22**
